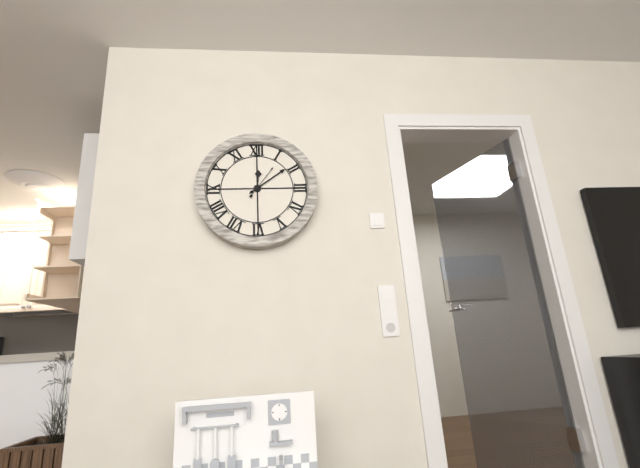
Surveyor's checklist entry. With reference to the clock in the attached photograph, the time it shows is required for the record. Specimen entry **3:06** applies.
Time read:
**12:09**
